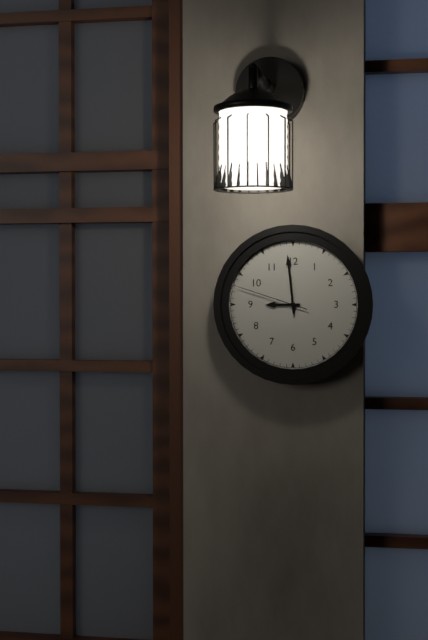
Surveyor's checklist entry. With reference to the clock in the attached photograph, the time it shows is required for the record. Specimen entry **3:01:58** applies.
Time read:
**8:59:48**
